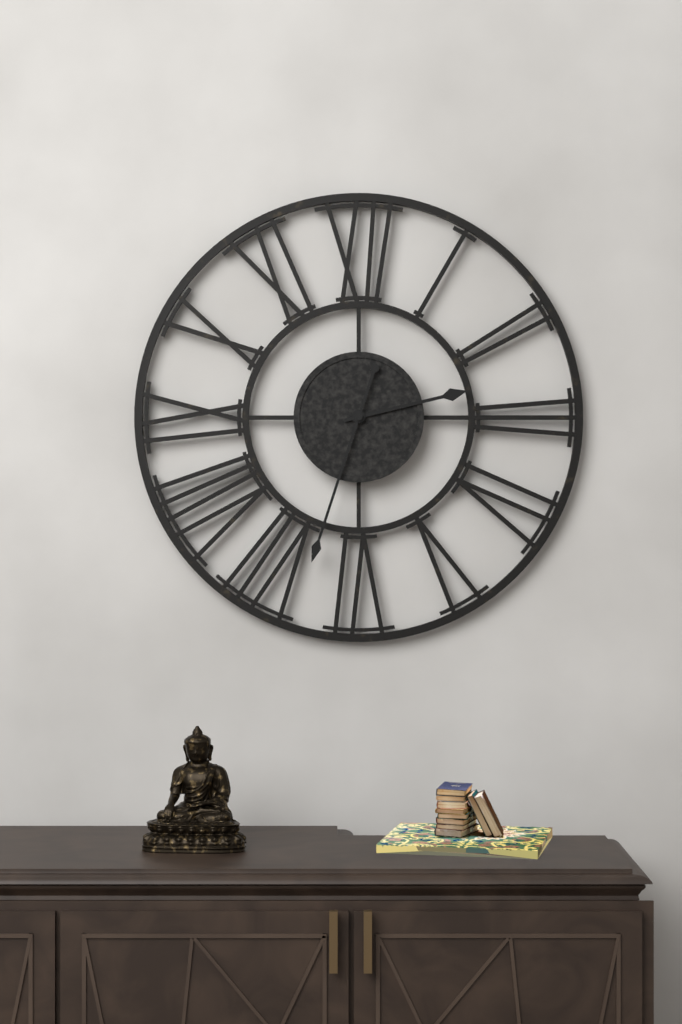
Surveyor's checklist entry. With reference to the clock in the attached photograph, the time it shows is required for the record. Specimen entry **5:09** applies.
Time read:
**2:33**
